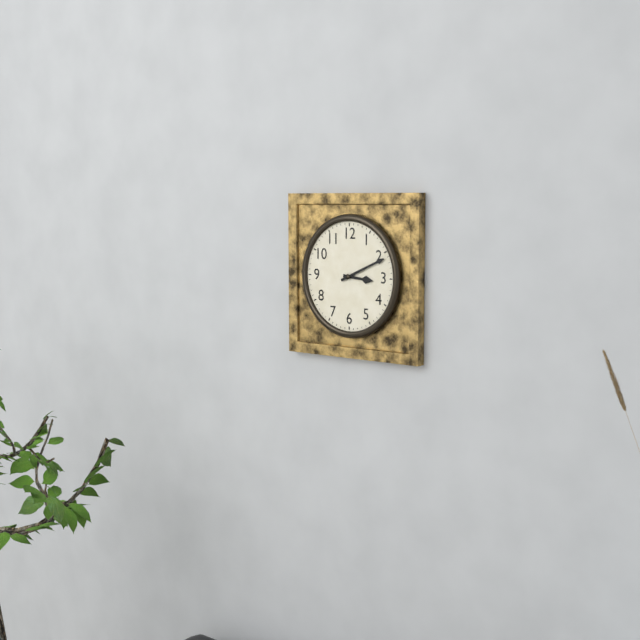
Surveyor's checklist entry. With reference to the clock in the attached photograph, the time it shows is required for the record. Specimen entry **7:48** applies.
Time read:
**3:11**
